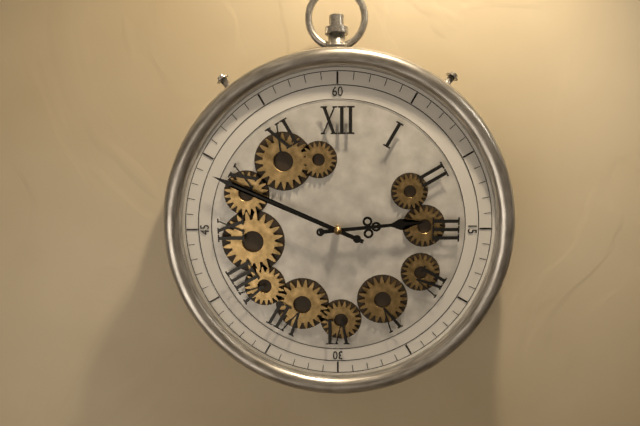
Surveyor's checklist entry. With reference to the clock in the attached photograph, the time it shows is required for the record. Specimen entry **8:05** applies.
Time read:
**2:49**
